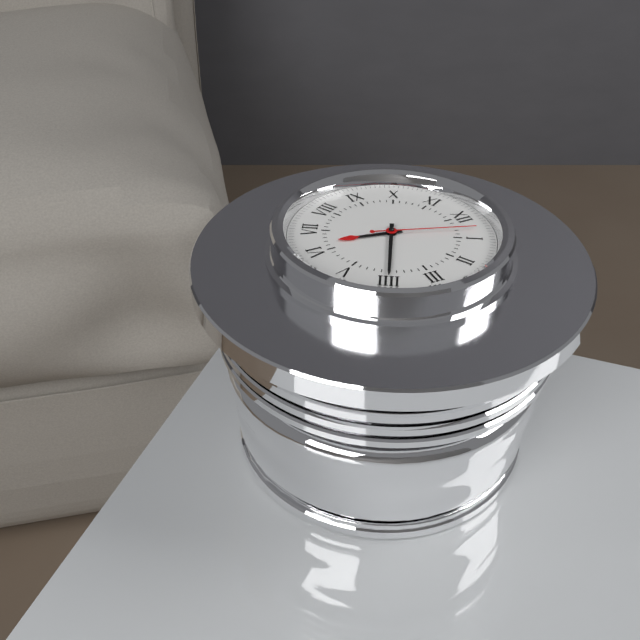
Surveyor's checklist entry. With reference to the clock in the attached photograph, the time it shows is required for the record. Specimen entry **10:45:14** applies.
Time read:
**6:20:03**
